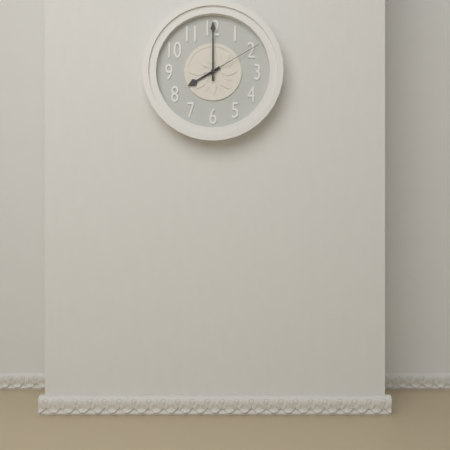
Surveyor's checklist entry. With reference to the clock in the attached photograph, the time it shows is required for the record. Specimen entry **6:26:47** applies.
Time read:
**8:00:10**
